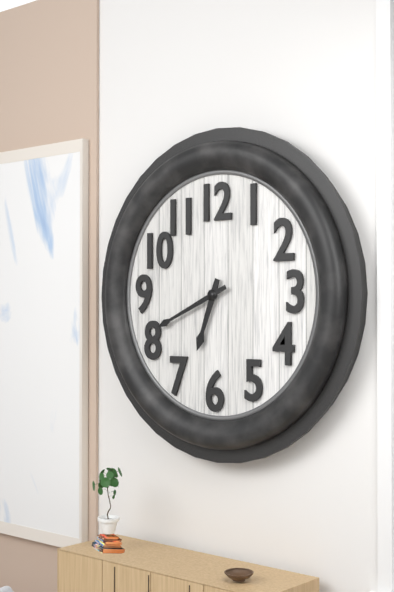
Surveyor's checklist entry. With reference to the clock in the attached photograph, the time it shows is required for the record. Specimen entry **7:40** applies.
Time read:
**6:41**
